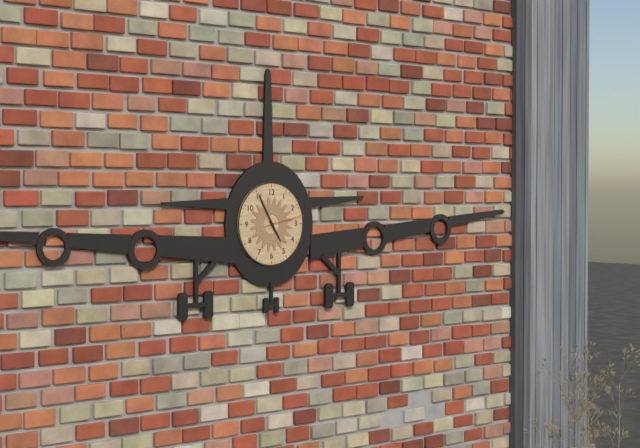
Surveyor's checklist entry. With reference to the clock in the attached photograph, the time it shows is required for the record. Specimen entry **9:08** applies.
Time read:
**4:55**
